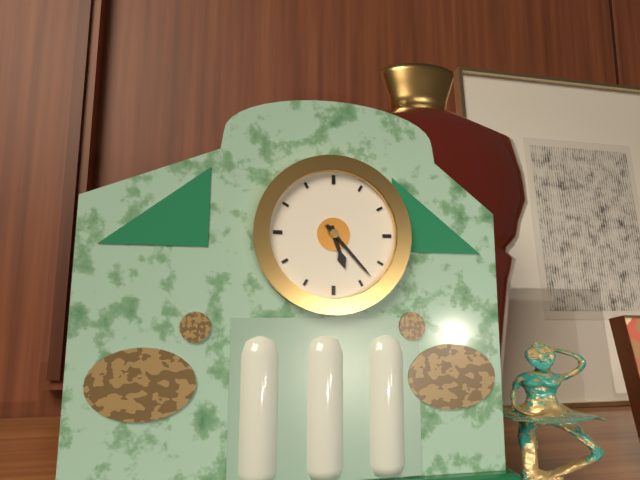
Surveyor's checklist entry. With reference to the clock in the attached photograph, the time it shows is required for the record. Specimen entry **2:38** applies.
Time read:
**5:23**
